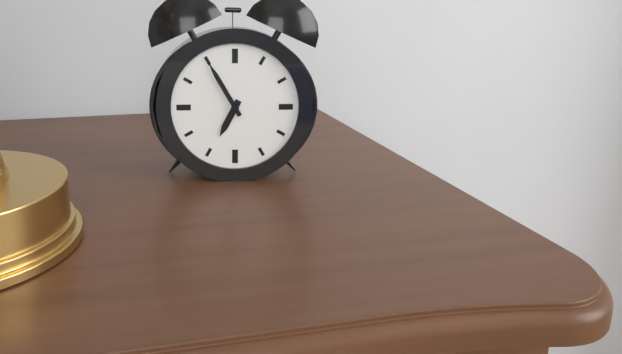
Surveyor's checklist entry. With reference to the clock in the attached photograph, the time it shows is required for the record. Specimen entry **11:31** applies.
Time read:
**6:55**
